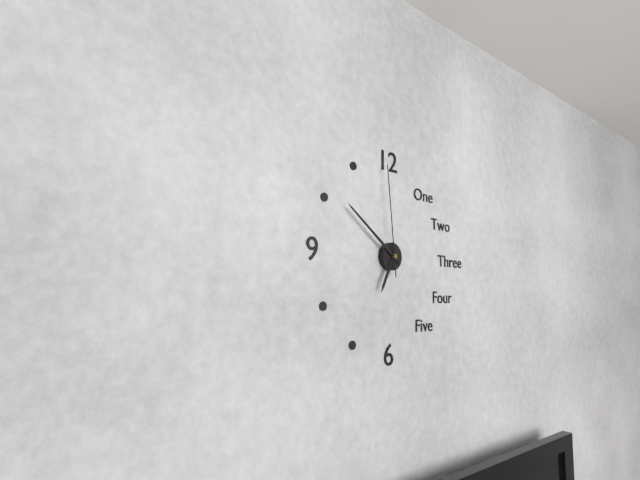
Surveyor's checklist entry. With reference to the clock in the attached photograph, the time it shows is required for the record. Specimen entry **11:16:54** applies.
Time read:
**6:51:59**
